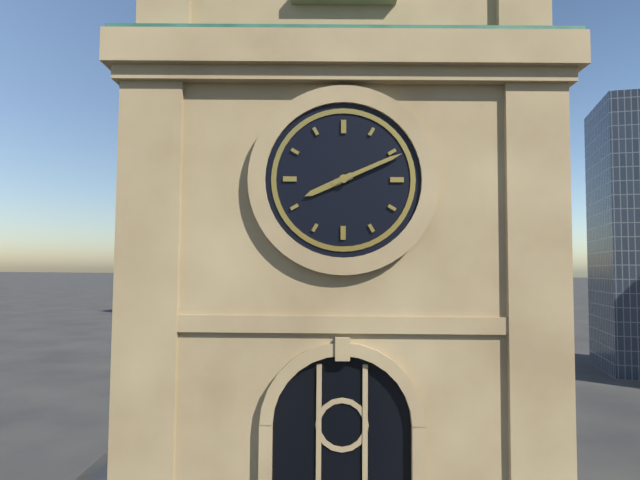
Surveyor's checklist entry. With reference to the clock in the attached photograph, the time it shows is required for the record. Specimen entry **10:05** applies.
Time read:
**8:11**
